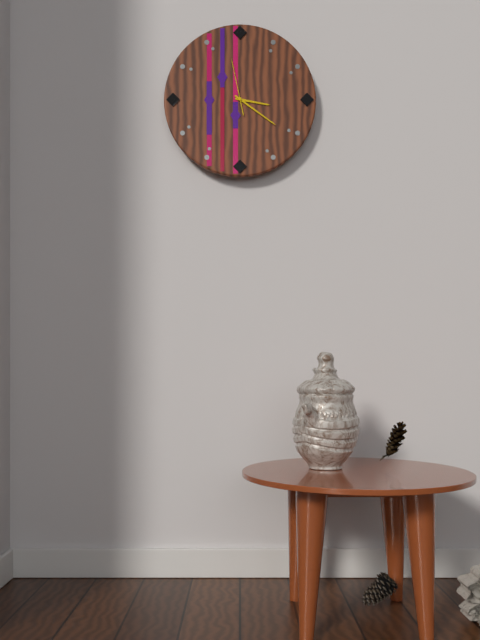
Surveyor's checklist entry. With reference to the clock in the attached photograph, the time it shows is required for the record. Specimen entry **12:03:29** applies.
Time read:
**3:21:58**
